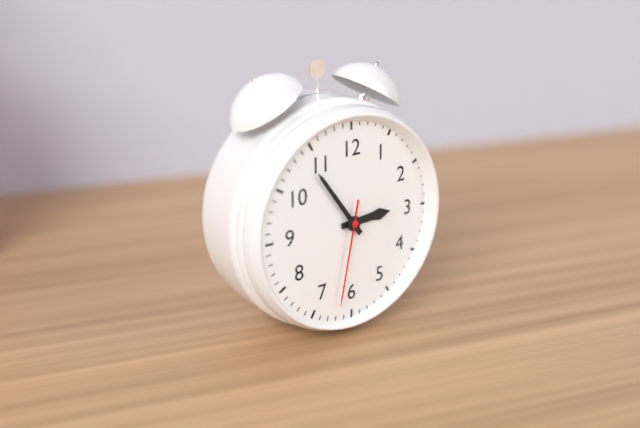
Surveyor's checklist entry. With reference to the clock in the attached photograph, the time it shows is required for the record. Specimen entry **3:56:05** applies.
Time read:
**2:54:32**
